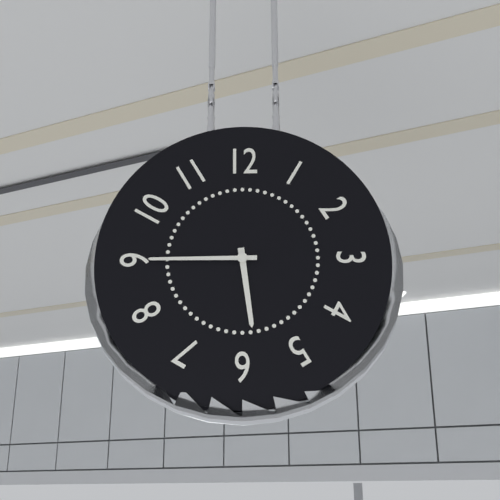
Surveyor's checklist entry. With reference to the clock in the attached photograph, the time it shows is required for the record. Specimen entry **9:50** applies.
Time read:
**5:45**
